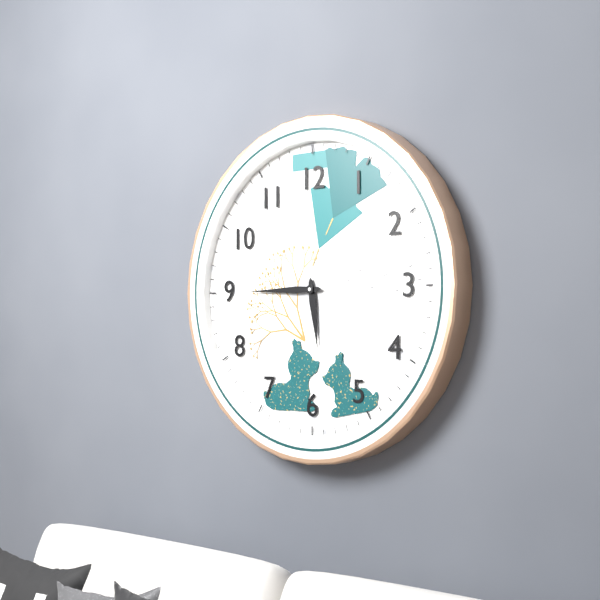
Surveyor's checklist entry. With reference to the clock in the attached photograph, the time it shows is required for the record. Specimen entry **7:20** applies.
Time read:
**5:45**
